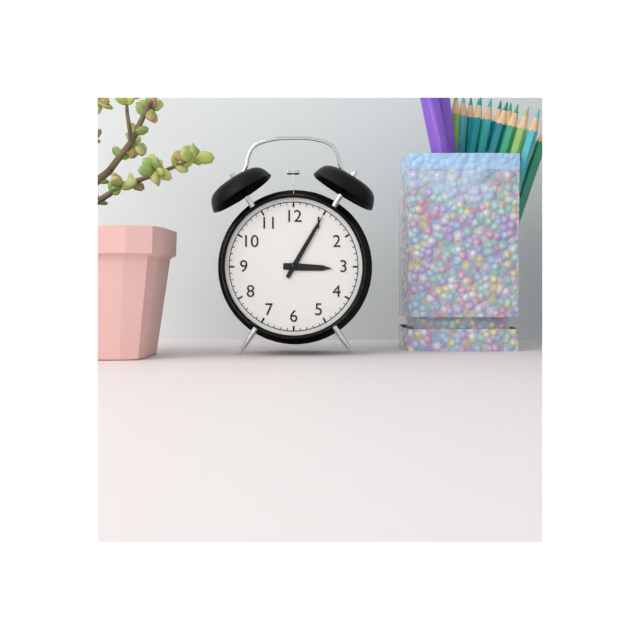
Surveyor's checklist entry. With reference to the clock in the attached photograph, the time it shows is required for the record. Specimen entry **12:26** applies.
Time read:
**3:05**
